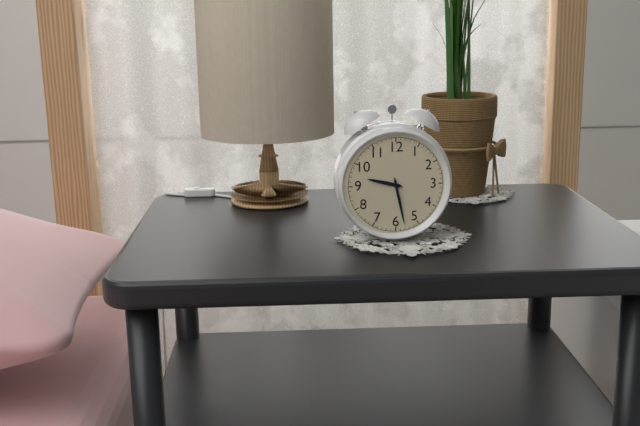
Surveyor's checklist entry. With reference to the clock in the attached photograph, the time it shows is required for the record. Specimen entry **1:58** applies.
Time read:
**9:28**
